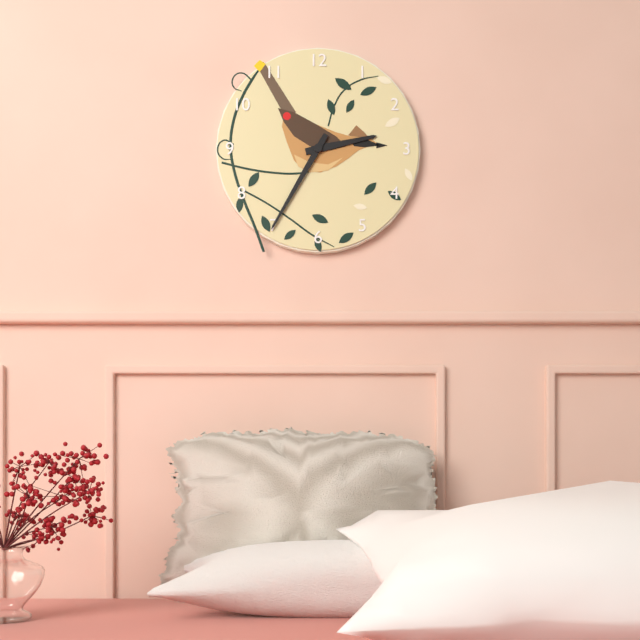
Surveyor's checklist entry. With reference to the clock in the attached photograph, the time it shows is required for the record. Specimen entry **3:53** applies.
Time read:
**2:35**
